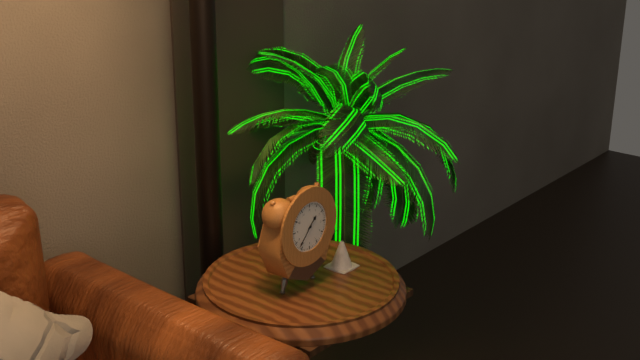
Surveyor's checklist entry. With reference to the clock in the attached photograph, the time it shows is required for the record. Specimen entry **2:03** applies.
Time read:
**1:37**
